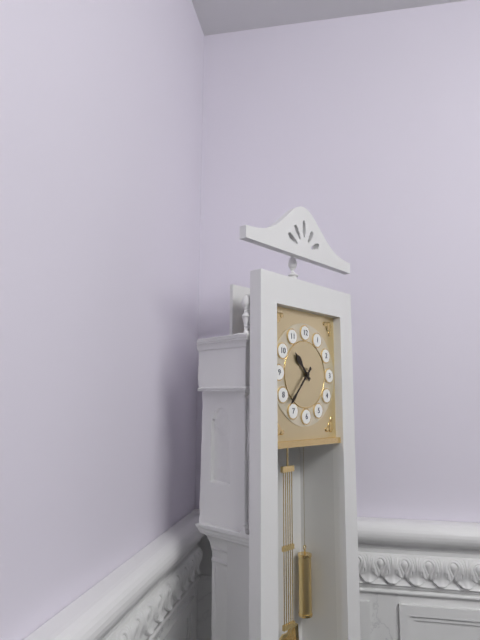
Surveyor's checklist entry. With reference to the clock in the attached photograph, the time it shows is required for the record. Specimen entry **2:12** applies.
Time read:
**10:37**
